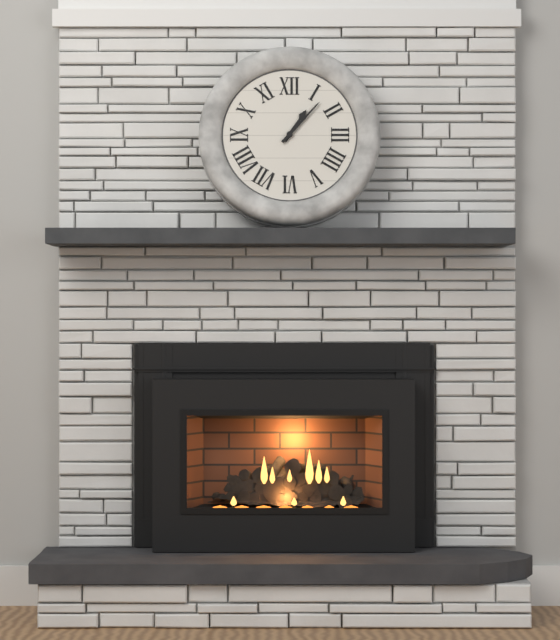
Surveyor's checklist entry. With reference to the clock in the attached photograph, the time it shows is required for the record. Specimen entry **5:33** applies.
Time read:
**1:07**
